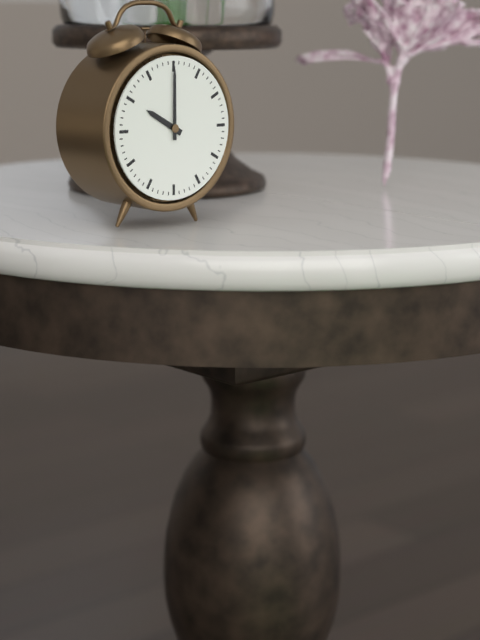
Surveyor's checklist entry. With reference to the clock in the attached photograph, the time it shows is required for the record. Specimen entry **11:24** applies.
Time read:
**10:00**
